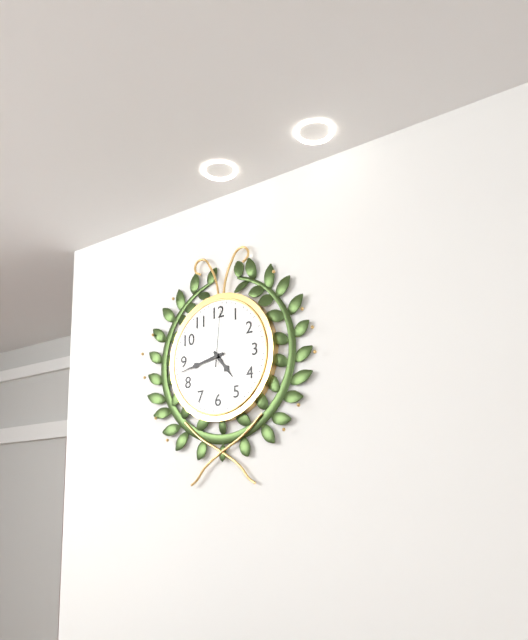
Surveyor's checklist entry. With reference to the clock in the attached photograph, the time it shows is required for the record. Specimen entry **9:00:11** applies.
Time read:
**4:43:01**
